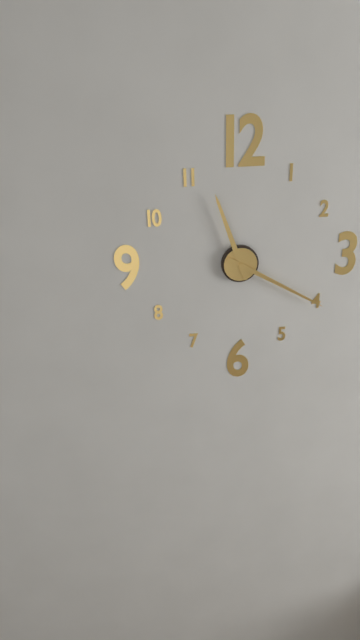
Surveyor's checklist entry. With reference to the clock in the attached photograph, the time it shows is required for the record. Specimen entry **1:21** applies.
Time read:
**11:20**
